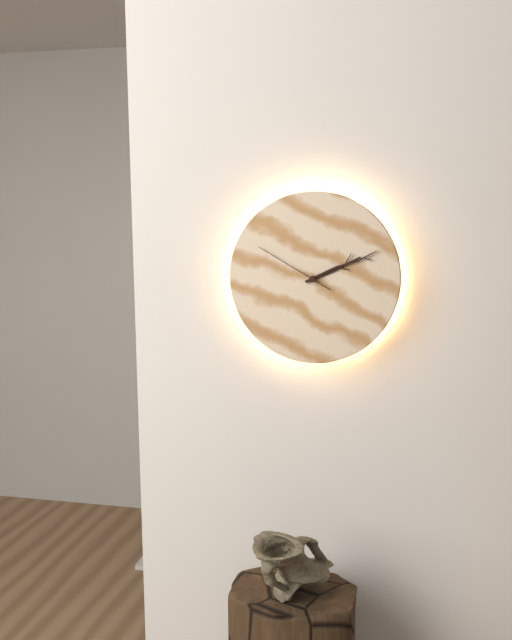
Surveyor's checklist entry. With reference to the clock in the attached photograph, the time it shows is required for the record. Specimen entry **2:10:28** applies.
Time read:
**2:11:50**
